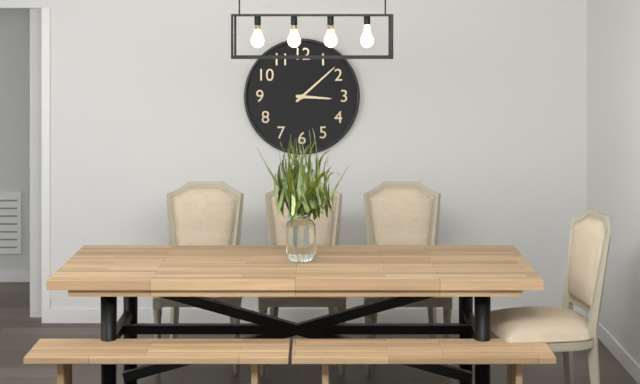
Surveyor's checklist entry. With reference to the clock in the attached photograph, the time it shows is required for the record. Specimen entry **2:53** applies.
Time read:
**3:08**
